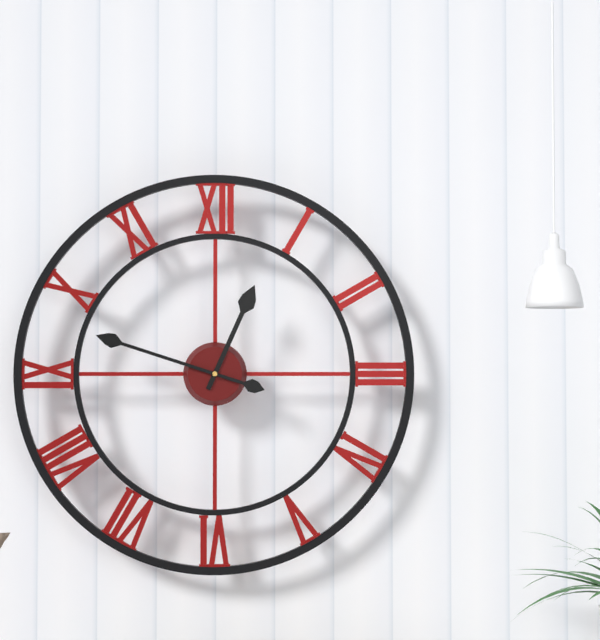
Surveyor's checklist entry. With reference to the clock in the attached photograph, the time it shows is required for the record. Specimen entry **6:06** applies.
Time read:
**12:48**
